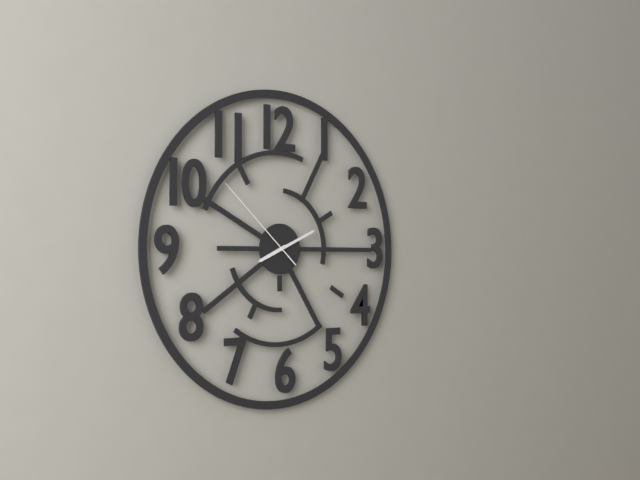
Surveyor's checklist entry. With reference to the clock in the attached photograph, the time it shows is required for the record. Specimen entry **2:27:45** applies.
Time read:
**8:11:52**
